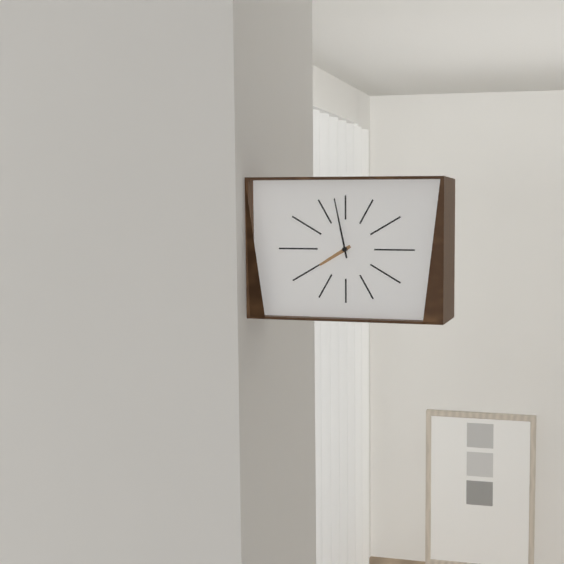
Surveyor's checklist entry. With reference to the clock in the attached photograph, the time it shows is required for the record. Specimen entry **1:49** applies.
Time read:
**7:58**
